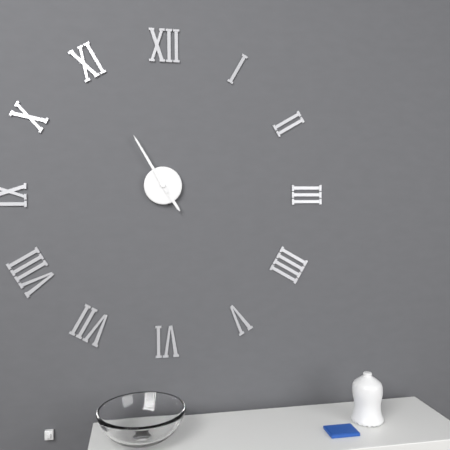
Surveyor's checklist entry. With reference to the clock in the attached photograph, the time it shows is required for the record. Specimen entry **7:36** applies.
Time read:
**4:55**
